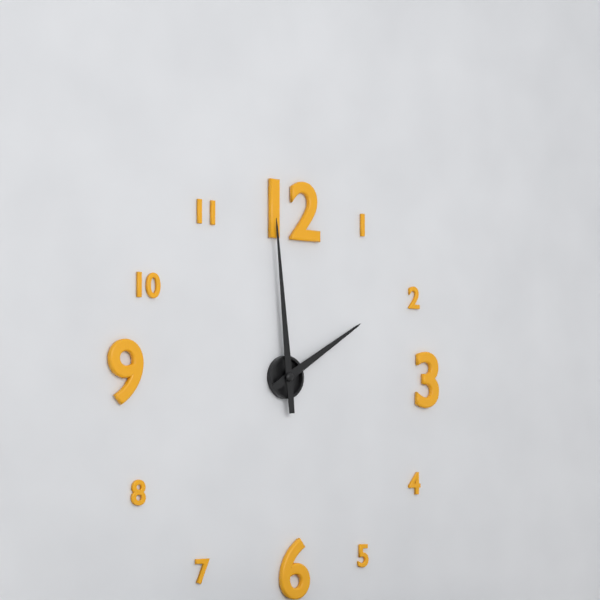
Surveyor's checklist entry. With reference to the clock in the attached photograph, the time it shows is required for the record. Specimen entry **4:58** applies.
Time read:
**1:59**
